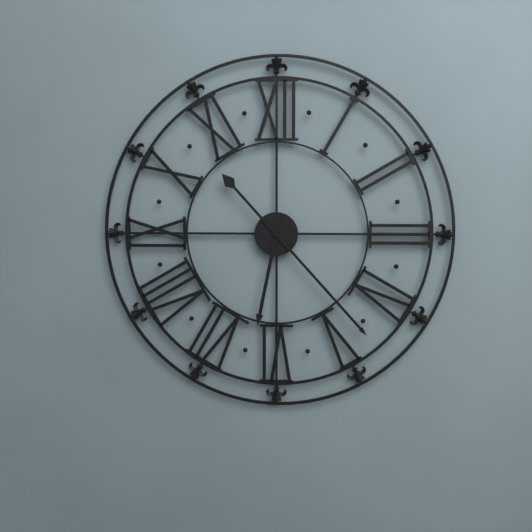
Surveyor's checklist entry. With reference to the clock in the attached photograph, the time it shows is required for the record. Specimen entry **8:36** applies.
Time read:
**6:23**
